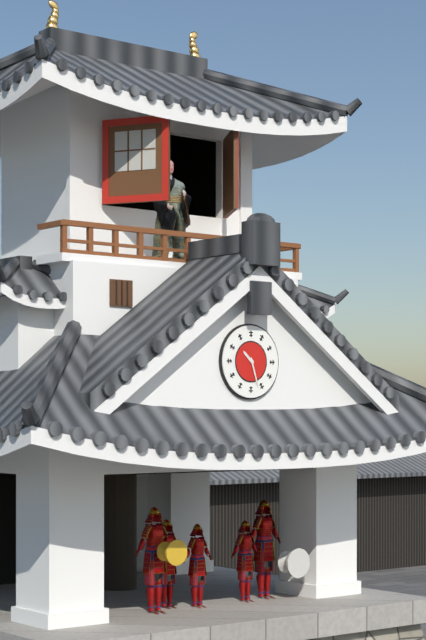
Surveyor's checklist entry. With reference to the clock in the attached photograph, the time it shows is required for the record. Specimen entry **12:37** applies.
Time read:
**10:27**
